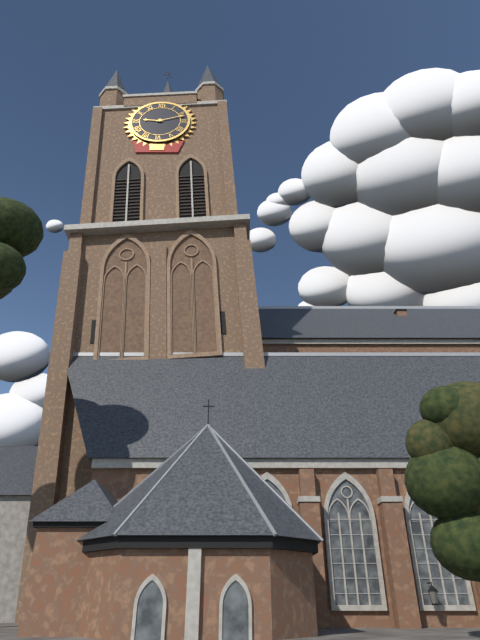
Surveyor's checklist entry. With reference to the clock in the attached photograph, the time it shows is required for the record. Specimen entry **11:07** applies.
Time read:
**9:12**
